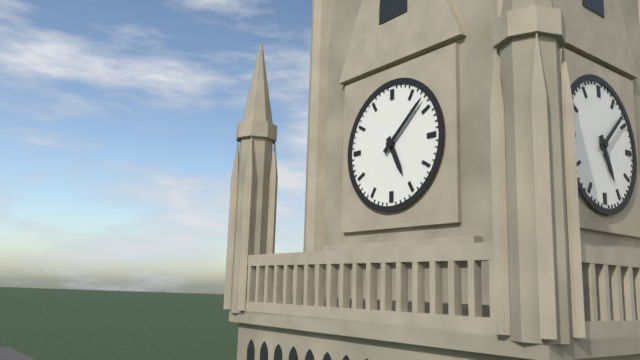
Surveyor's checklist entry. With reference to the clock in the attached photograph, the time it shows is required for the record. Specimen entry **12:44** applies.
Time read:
**5:08**
